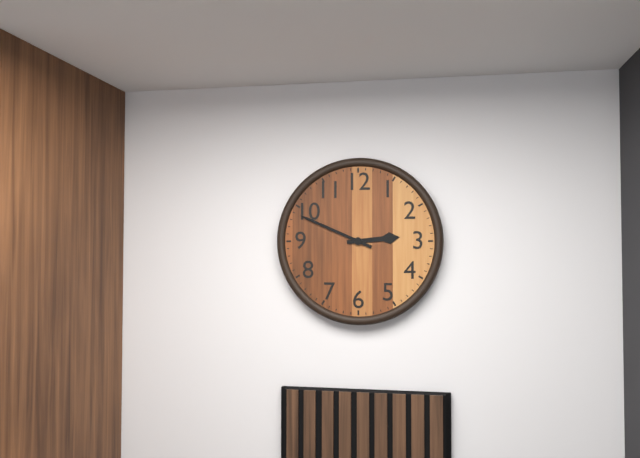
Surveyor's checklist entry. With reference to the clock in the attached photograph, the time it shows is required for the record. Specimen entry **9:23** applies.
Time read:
**2:49**
